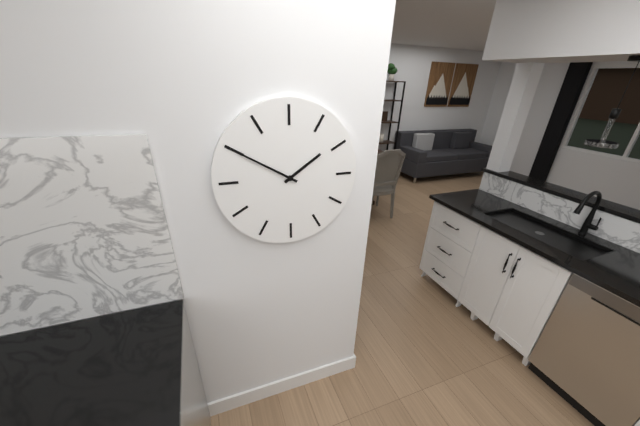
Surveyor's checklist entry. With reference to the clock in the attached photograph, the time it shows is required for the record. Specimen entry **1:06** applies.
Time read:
**1:50**
